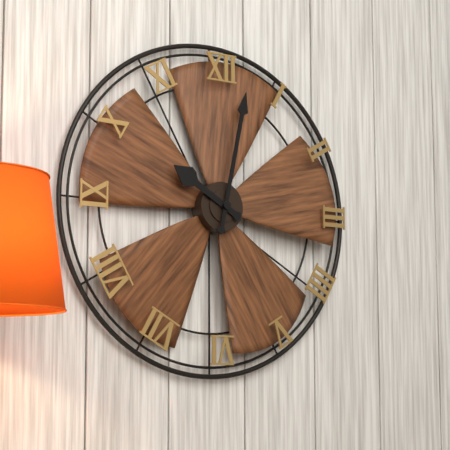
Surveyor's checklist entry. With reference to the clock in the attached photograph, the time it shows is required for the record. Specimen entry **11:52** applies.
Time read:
**10:02**
